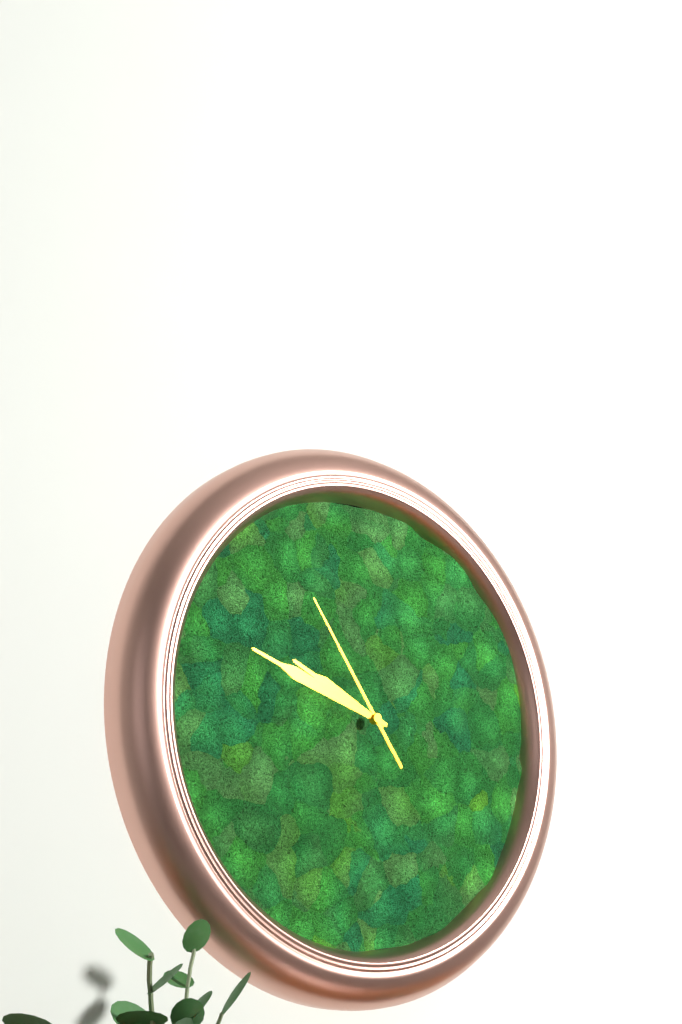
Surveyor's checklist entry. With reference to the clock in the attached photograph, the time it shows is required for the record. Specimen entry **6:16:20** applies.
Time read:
**9:48:54**
